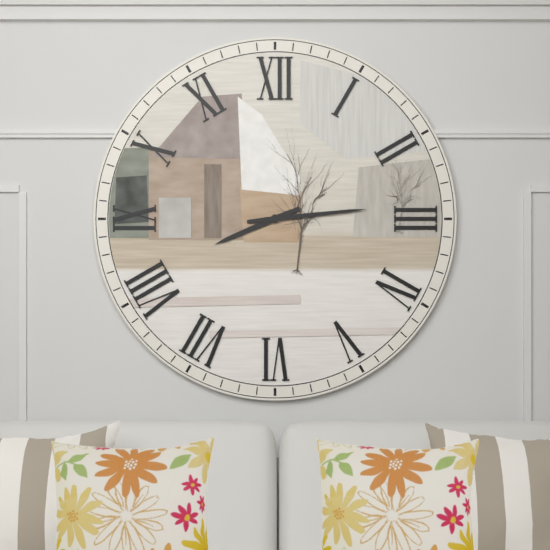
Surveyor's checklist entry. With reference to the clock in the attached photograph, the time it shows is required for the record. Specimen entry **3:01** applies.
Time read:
**8:14**
